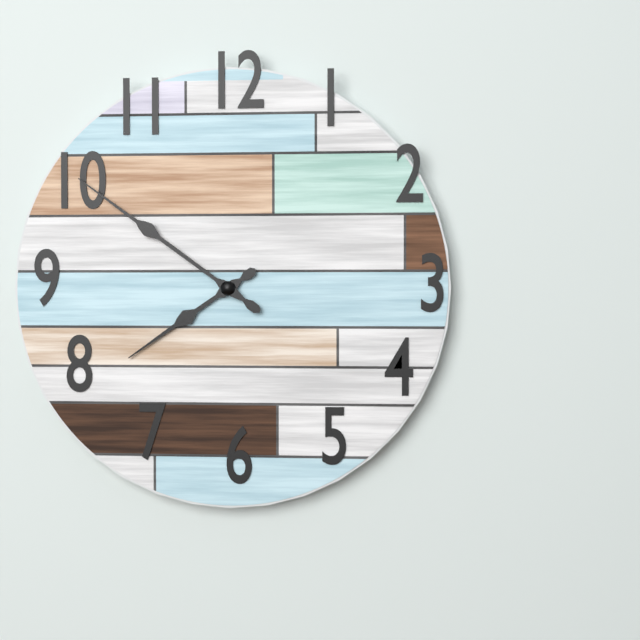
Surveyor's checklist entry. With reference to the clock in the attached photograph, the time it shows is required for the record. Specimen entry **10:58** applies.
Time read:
**7:51**
